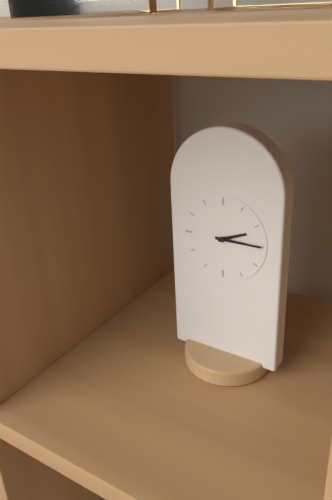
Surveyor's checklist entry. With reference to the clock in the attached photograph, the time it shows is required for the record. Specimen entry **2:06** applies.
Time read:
**2:15**
